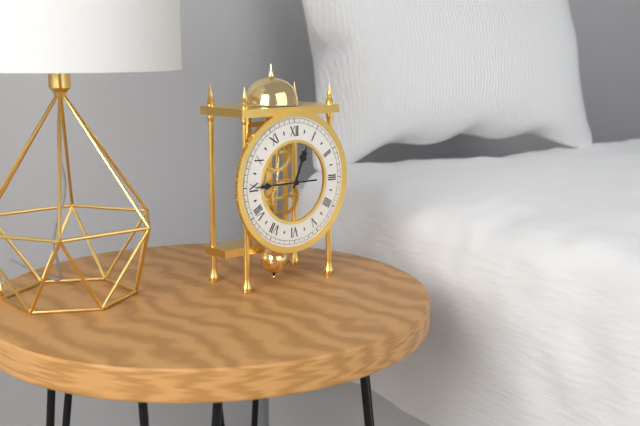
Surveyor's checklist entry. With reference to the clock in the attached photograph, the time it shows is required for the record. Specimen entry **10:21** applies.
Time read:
**12:45**
